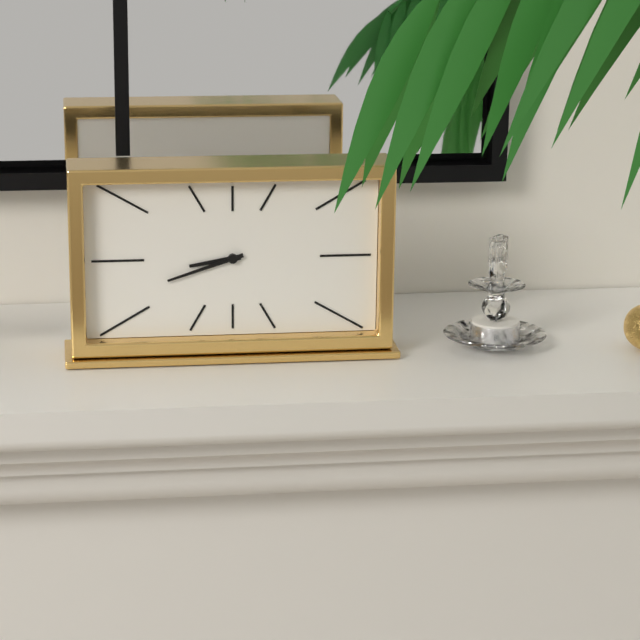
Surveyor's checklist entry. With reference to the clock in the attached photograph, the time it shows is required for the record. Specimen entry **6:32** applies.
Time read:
**8:42**
